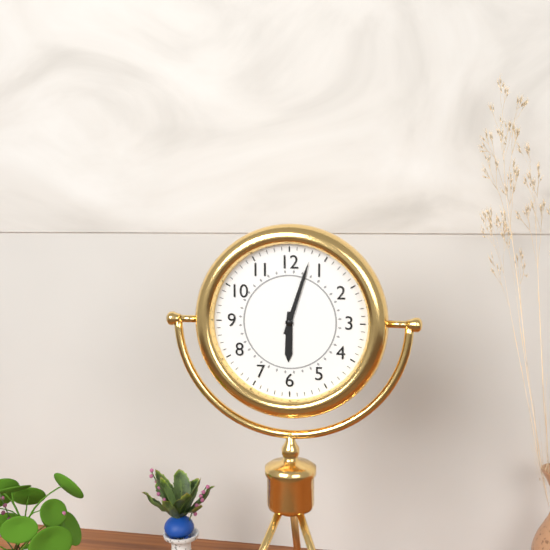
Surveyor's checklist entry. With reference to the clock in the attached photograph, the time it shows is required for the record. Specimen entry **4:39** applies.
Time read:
**6:03**
